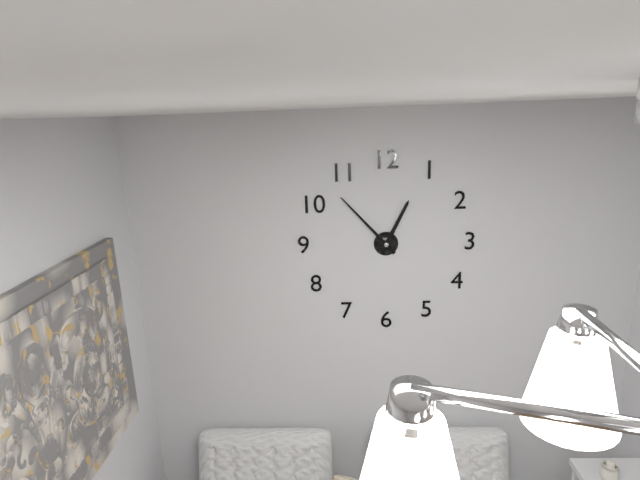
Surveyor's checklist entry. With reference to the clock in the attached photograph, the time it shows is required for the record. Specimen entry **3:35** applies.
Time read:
**12:53**
